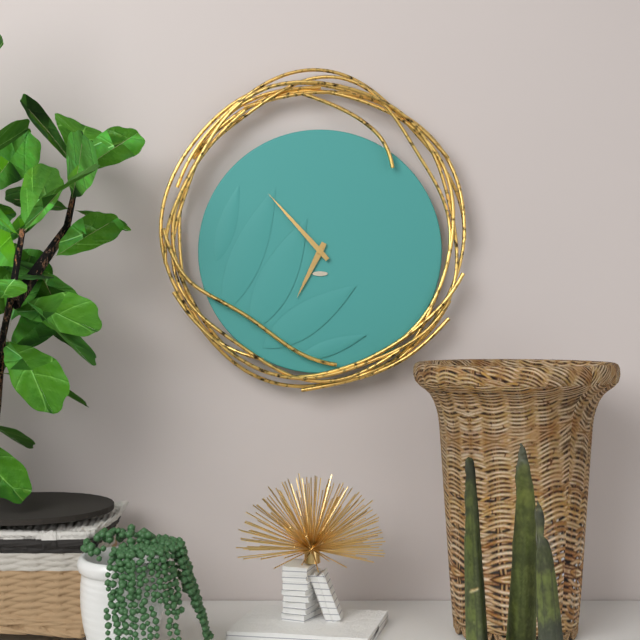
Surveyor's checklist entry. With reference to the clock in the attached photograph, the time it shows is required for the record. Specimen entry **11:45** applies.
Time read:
**6:53**
